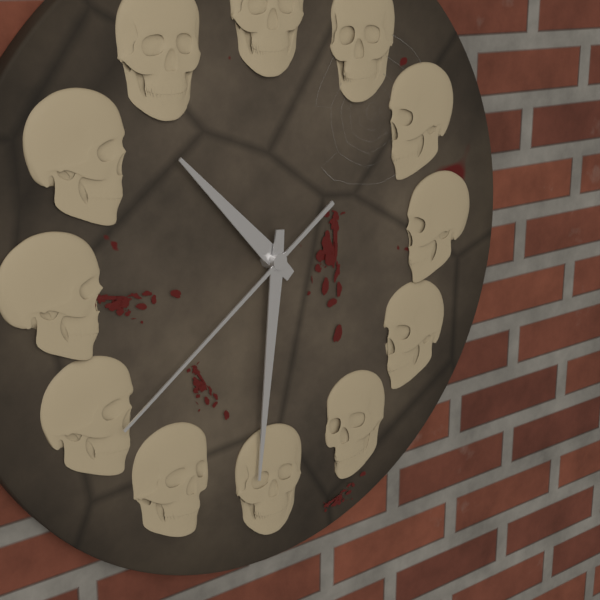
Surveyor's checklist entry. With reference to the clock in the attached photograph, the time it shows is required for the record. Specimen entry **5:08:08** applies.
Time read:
**10:31:39**
